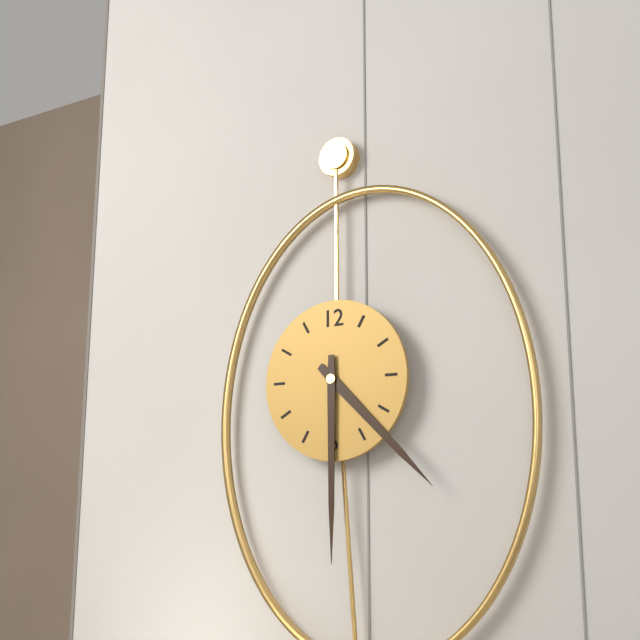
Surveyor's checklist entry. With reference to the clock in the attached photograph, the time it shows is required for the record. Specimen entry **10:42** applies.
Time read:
**4:30**
